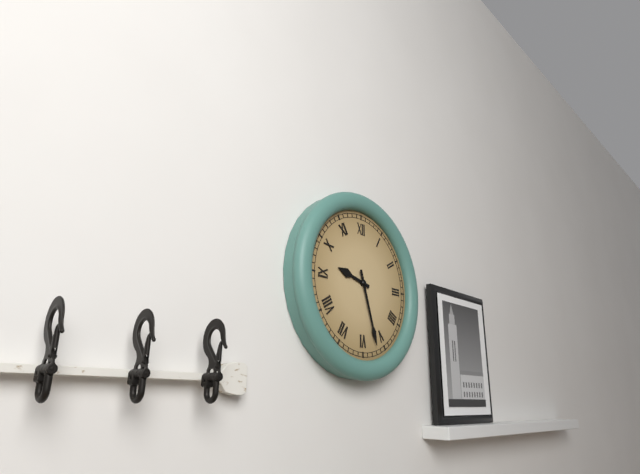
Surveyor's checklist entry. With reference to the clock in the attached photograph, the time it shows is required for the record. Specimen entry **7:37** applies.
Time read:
**9:27**
